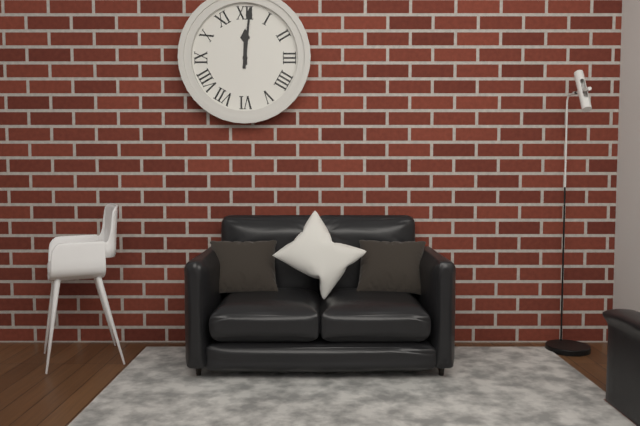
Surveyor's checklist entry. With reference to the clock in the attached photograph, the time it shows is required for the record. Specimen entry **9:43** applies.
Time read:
**12:01**
